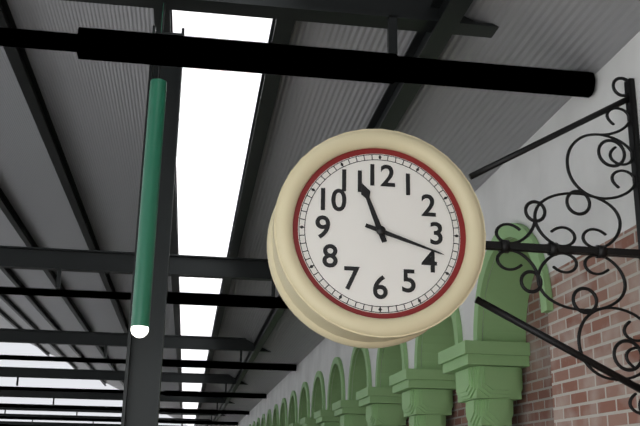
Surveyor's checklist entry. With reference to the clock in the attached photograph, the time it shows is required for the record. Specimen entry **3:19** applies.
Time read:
**11:18**
